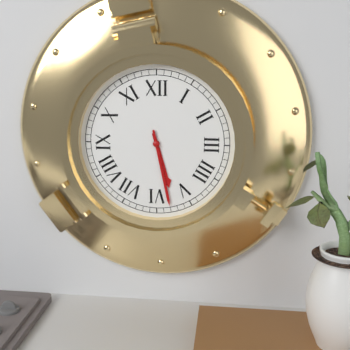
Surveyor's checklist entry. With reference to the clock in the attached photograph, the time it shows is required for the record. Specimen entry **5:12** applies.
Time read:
**5:28**
